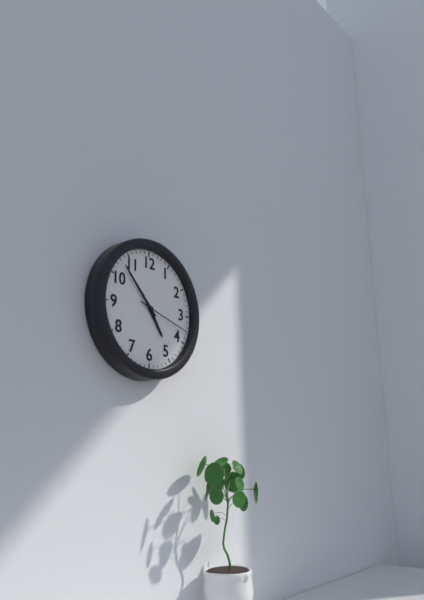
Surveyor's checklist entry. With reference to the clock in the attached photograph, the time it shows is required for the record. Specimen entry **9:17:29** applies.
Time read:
**4:53:18**
